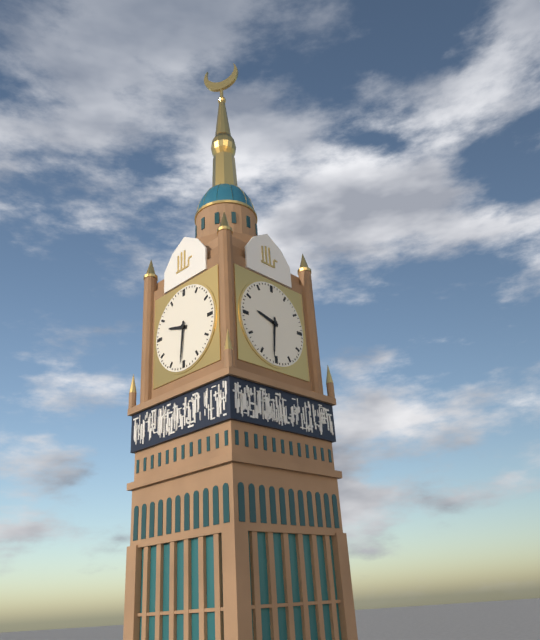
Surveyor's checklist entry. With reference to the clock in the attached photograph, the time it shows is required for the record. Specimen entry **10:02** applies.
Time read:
**9:31**
